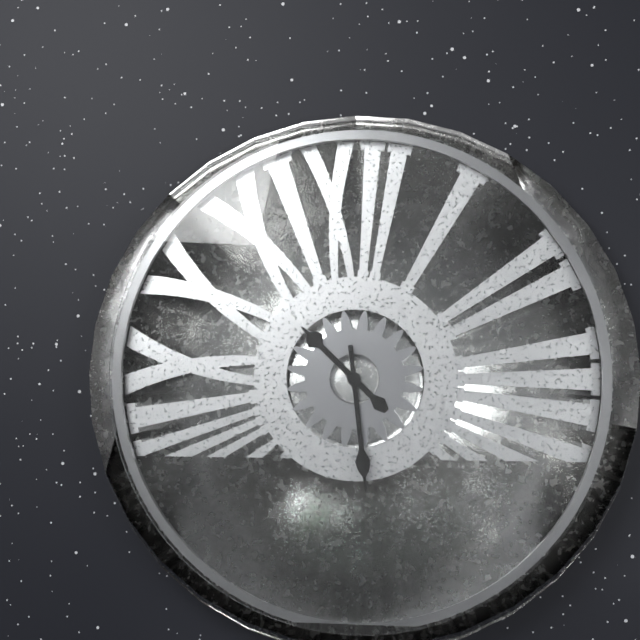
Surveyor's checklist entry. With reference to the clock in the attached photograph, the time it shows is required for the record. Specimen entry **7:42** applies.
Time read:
**10:29**
